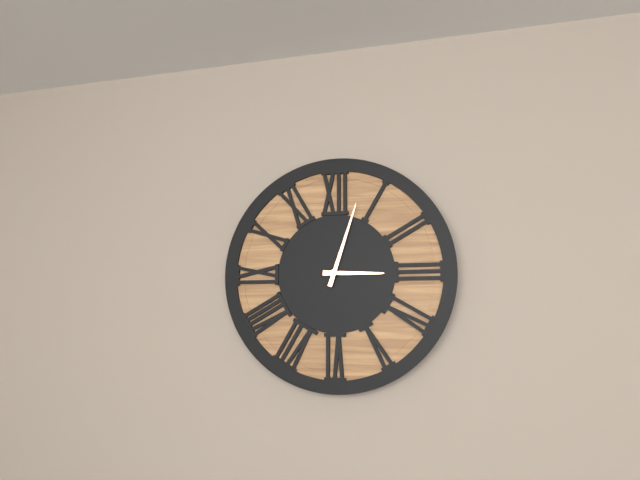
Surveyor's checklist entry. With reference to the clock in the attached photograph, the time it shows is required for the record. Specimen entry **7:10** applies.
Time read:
**3:03**
